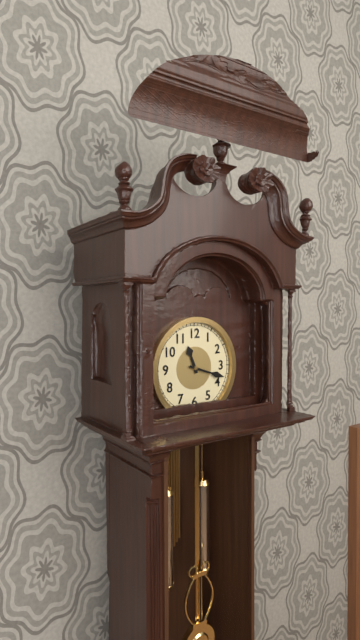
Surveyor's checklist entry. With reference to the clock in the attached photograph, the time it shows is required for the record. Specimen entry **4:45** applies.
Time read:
**11:18**
